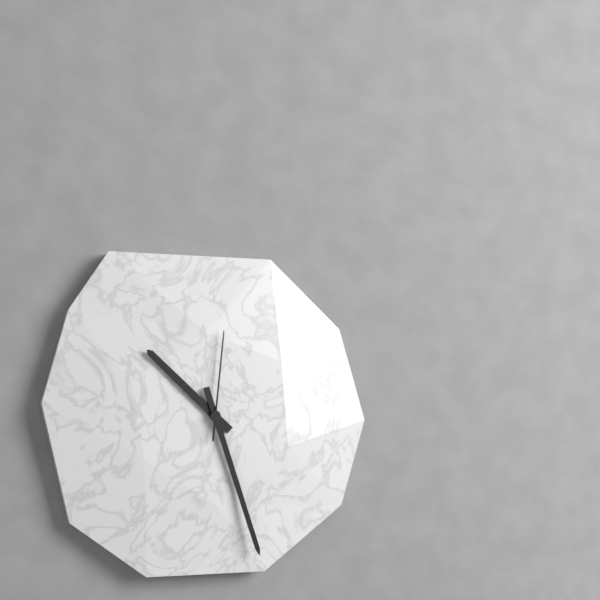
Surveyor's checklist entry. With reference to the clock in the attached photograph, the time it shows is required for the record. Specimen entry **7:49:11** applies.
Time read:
**10:27:01**
